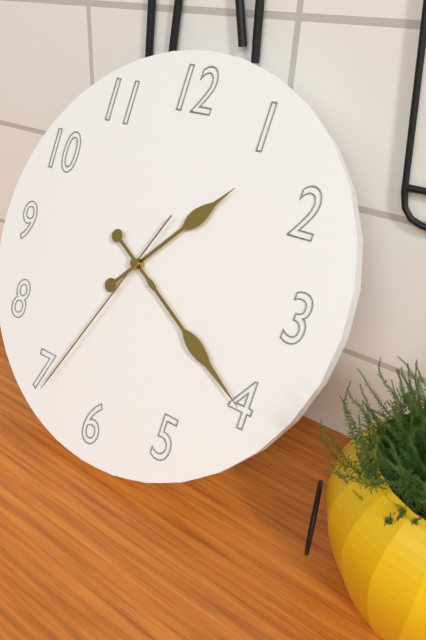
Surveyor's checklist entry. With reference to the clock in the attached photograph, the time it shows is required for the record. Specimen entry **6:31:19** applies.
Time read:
**1:20:34**
